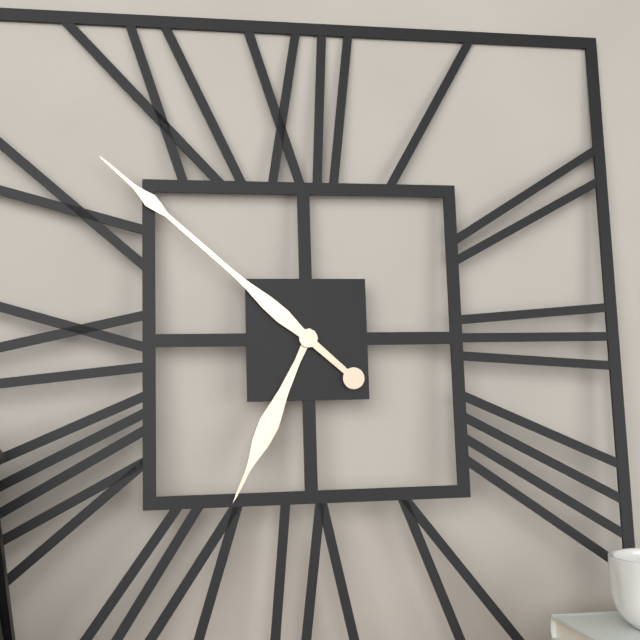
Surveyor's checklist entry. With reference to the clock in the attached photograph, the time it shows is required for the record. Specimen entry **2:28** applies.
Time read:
**6:52**
